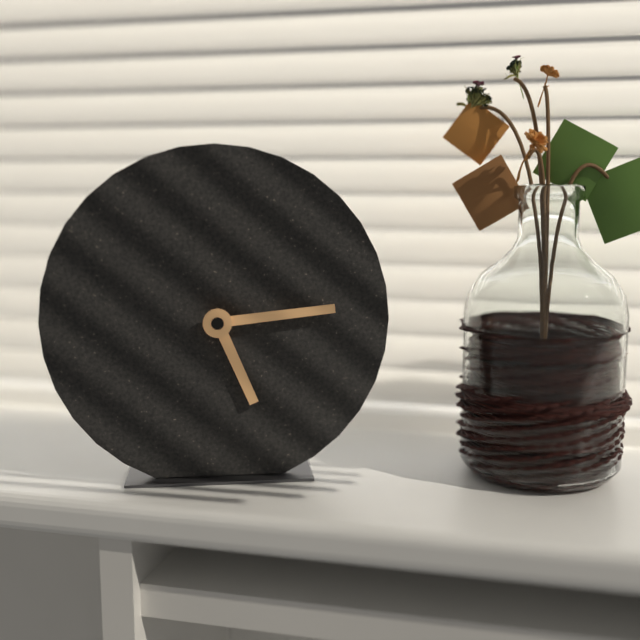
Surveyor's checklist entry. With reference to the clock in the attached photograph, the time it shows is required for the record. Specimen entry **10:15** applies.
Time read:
**5:14**
